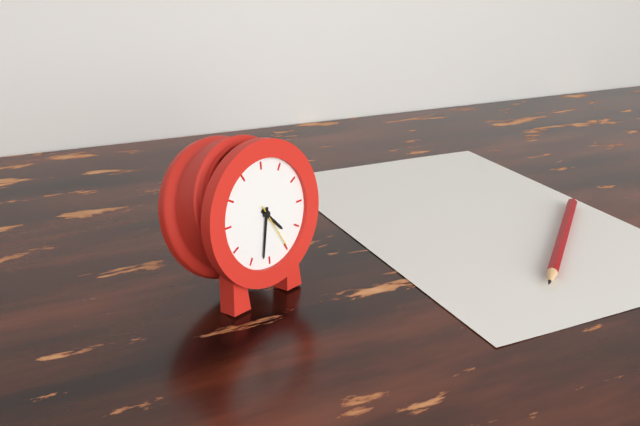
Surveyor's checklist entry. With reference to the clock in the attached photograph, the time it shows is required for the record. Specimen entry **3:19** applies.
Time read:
**4:32**
